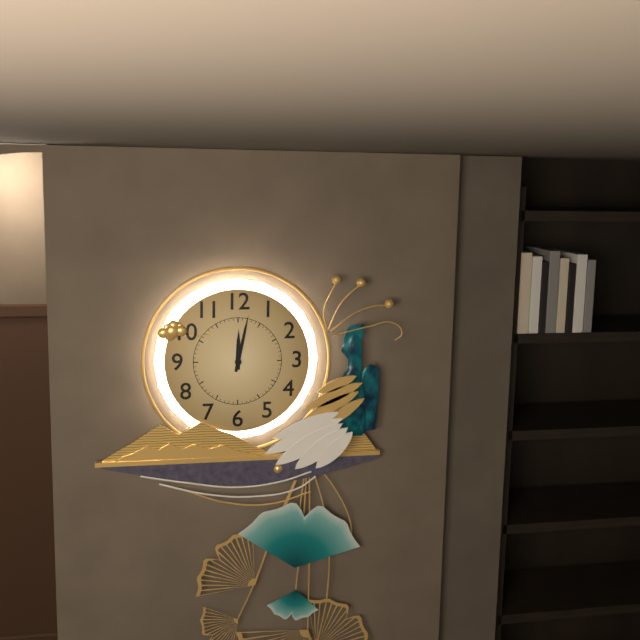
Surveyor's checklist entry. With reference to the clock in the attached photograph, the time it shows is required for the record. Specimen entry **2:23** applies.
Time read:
**12:02**
